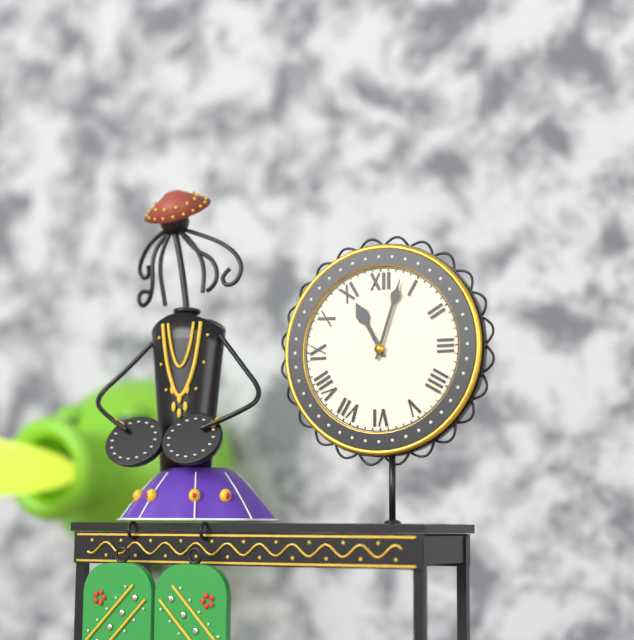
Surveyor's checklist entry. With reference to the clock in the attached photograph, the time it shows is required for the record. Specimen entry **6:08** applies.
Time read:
**11:03**
